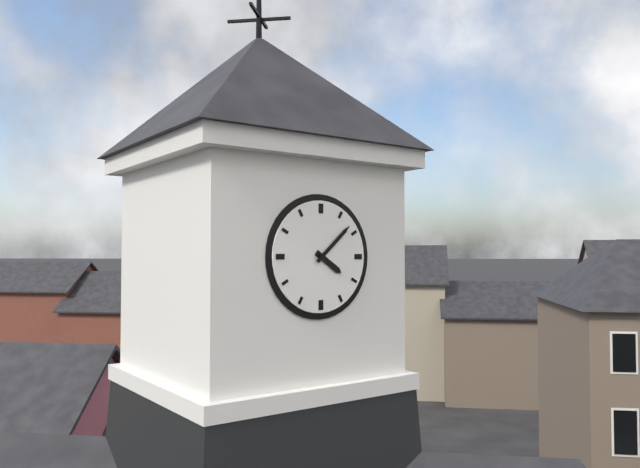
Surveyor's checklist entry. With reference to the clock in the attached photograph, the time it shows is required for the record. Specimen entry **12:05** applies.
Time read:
**4:08**
